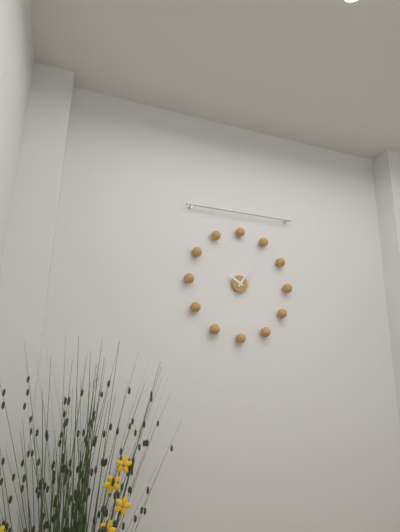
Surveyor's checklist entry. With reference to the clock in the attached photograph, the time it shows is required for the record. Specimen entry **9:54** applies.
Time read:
**10:06**
